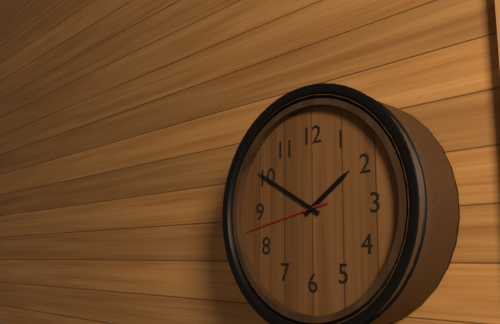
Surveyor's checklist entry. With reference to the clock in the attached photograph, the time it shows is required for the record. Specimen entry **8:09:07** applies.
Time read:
**1:50:43**
